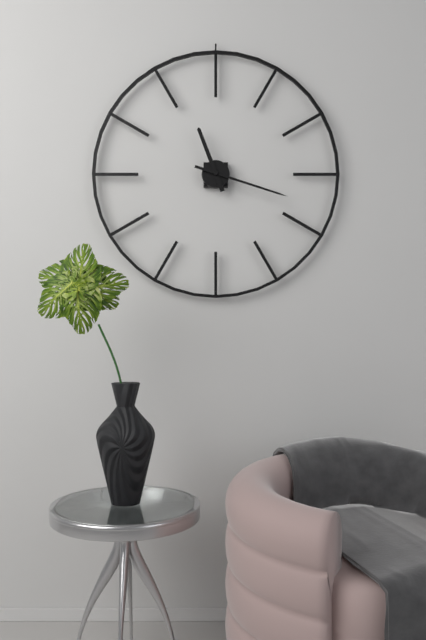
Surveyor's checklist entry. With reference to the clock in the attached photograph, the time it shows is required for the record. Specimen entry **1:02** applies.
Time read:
**11:18**
